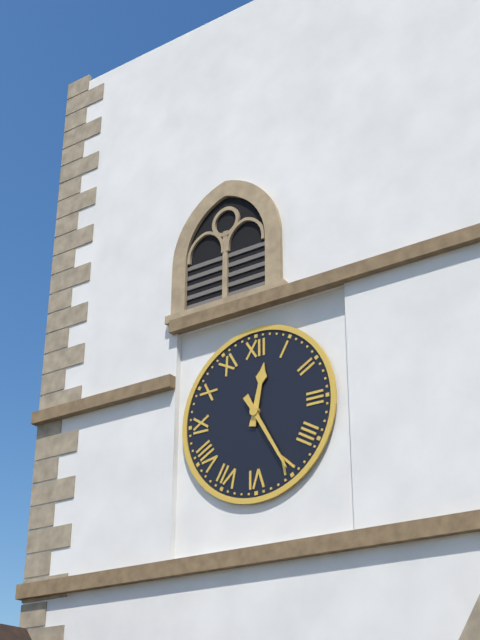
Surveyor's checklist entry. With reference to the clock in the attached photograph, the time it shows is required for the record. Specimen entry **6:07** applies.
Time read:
**12:25**
